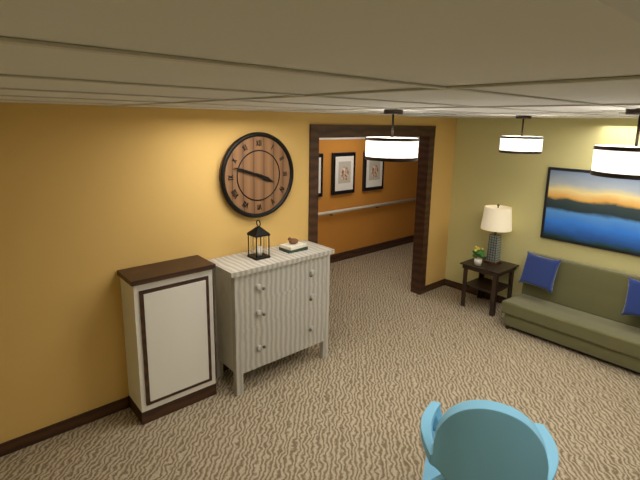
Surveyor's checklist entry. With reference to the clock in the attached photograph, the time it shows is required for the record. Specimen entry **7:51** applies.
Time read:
**3:48**
